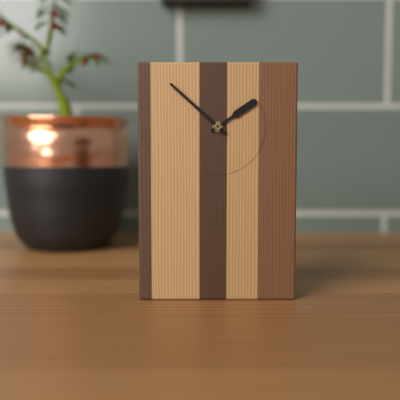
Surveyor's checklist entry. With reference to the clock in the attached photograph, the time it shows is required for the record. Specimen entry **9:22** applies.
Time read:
**1:52**
